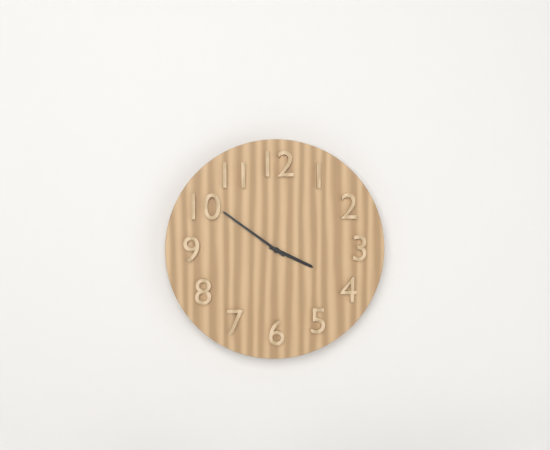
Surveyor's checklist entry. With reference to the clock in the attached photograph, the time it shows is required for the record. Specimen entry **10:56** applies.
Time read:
**3:51**
